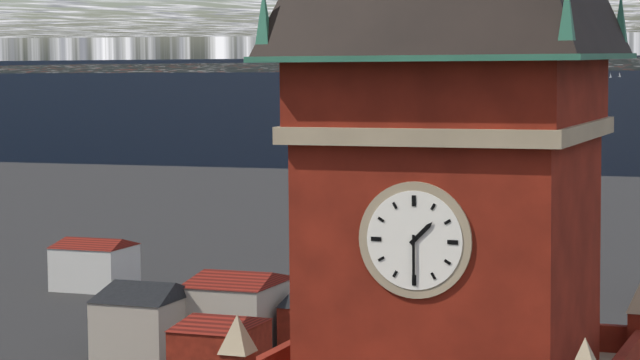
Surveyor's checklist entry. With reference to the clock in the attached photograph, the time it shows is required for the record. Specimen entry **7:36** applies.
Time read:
**1:30**
